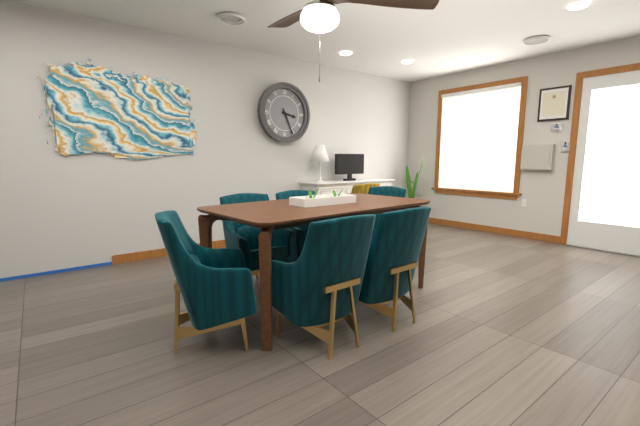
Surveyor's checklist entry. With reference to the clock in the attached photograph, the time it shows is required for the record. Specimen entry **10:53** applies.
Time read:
**3:26**
